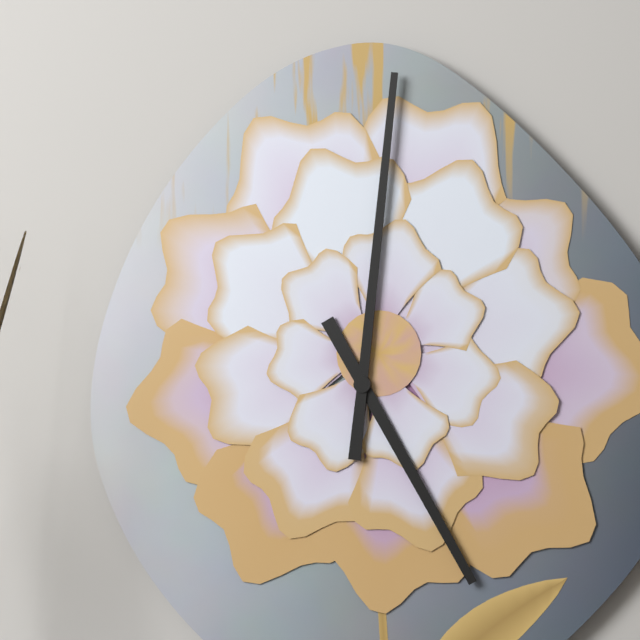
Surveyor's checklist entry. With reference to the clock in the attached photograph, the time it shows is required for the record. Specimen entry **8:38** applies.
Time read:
**5:01**
